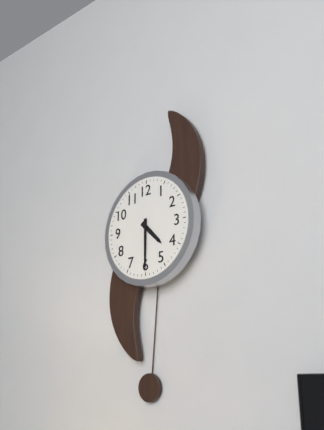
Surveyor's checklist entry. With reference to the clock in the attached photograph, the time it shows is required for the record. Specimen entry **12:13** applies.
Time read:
**4:30**
